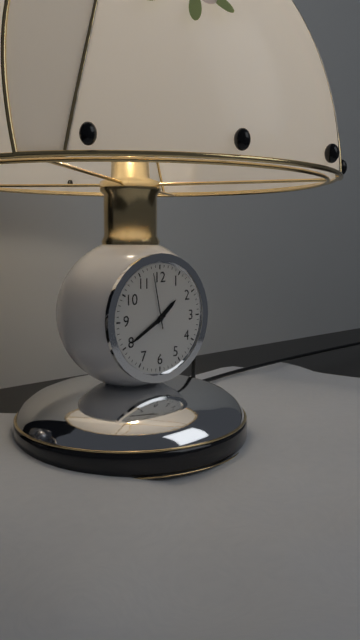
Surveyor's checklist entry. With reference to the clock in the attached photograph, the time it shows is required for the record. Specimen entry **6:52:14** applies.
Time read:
**1:40:58**
